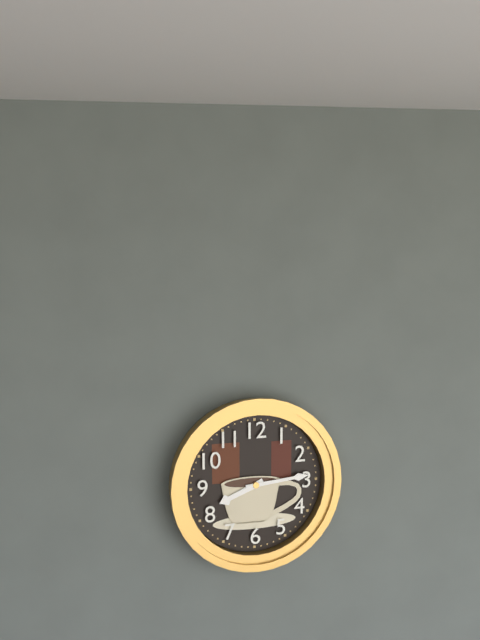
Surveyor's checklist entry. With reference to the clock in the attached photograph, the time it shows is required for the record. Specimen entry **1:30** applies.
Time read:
**8:14**
